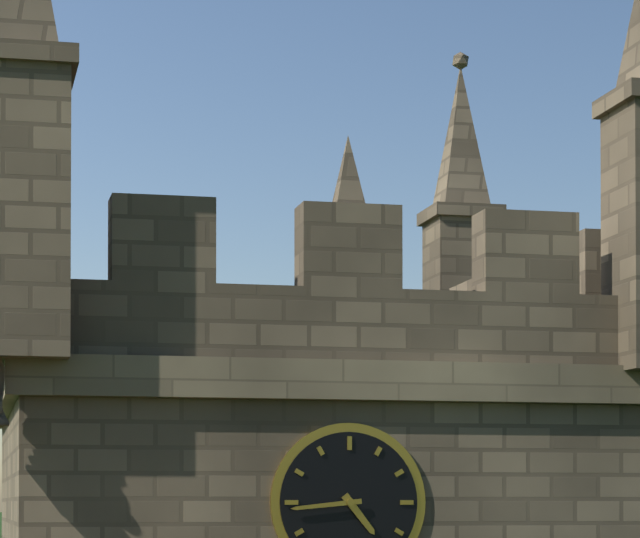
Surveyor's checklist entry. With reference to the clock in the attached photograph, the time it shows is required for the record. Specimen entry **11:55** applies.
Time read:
**4:44**
